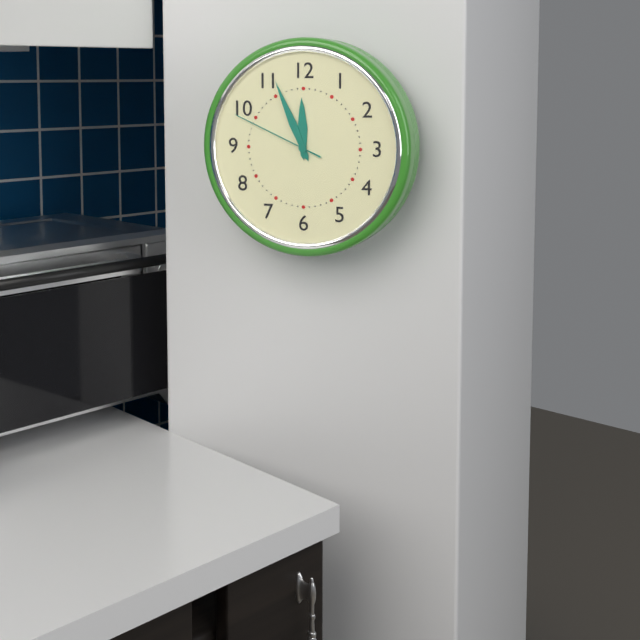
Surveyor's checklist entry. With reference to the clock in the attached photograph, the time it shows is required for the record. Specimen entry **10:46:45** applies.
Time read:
**11:56:49**
